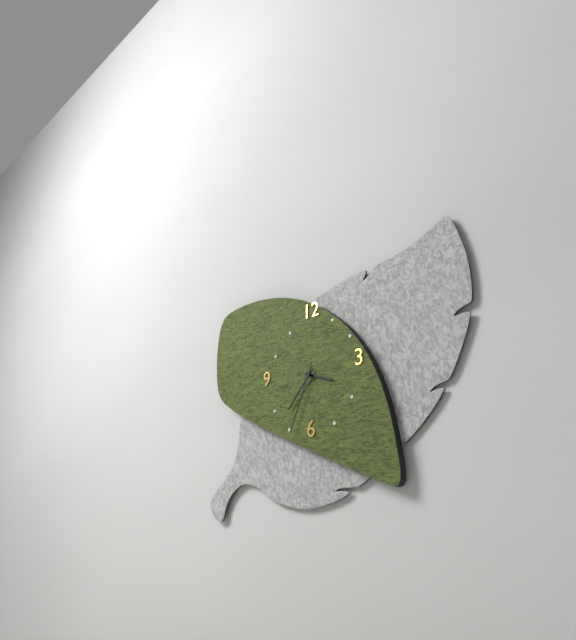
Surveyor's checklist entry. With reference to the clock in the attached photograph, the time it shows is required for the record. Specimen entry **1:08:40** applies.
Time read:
**3:37:34**
